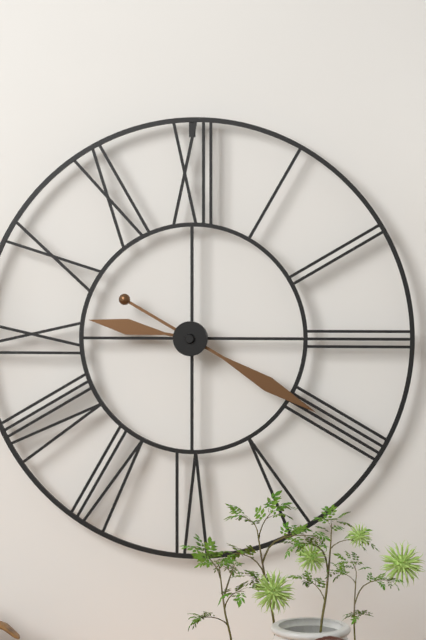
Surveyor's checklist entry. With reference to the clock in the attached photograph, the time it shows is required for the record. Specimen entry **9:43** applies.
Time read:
**9:20**
